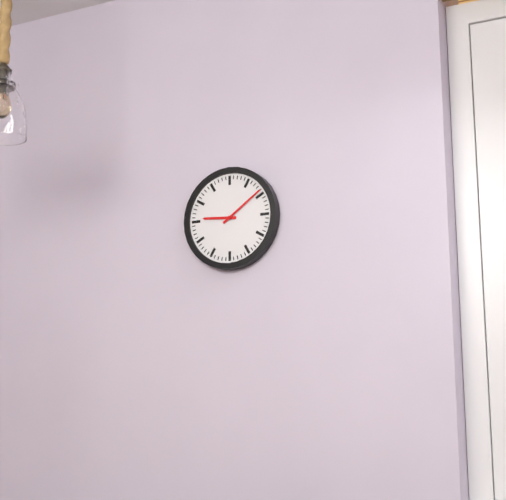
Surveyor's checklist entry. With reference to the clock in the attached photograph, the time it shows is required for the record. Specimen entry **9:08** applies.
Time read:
**9:09**
